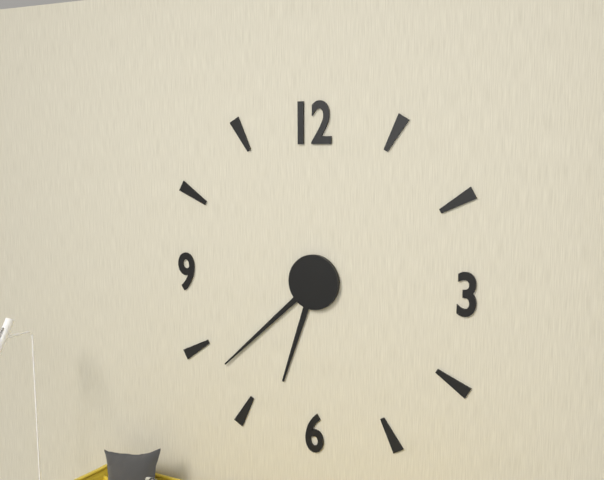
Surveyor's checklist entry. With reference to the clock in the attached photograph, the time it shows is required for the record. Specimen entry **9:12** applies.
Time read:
**6:38**
